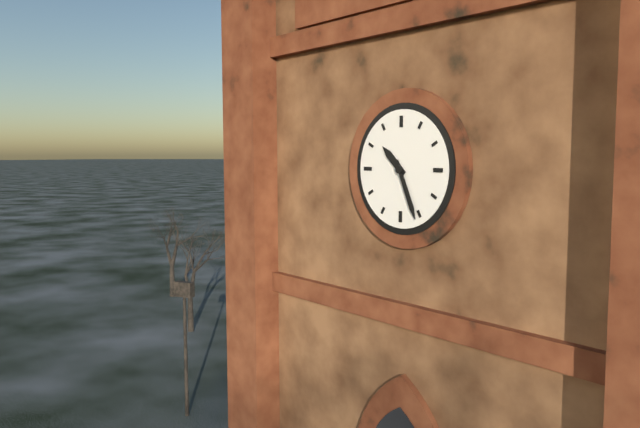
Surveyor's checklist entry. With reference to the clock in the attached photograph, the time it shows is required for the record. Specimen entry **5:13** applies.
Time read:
**10:26**
